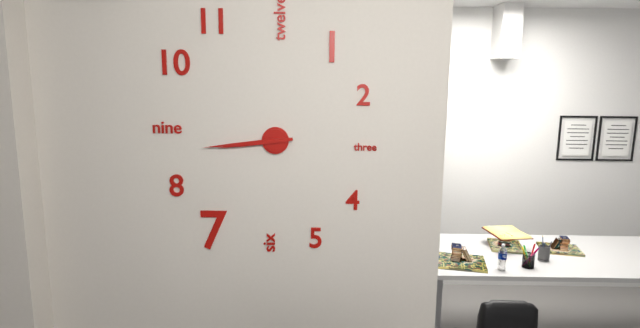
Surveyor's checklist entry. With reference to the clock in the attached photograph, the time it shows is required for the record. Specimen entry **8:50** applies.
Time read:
**8:44**
